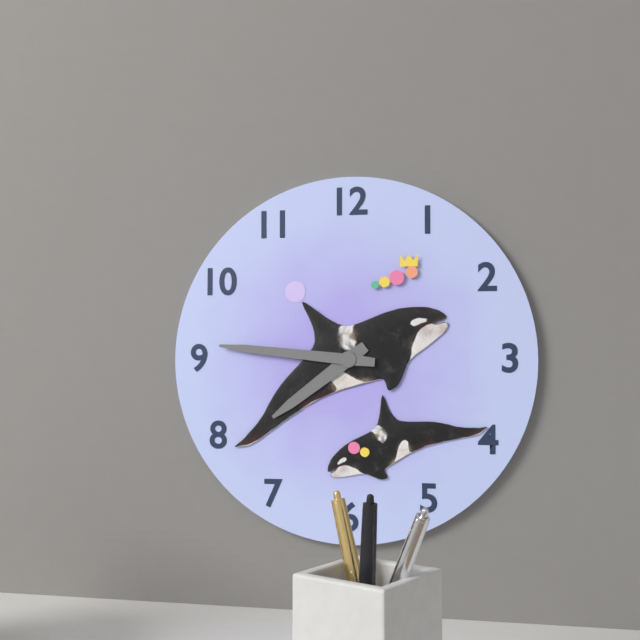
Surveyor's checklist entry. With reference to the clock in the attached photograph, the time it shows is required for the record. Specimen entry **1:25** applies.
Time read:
**7:46**
